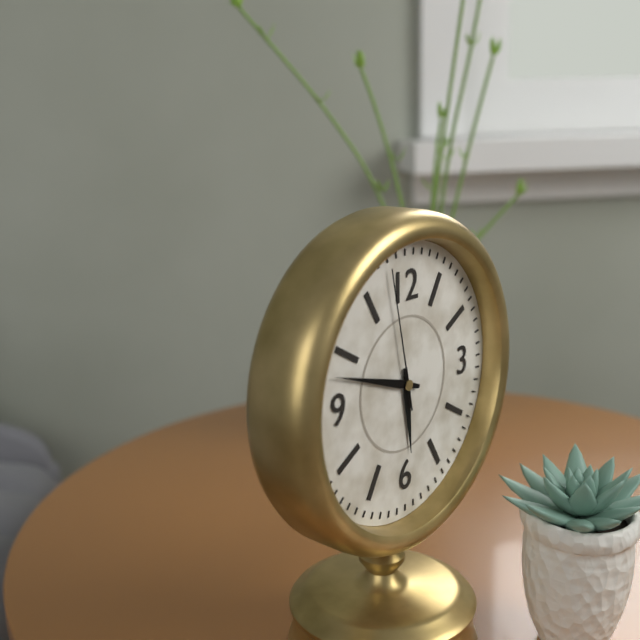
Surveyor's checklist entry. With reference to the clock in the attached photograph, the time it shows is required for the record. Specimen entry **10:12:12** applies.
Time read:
**5:48:58**
